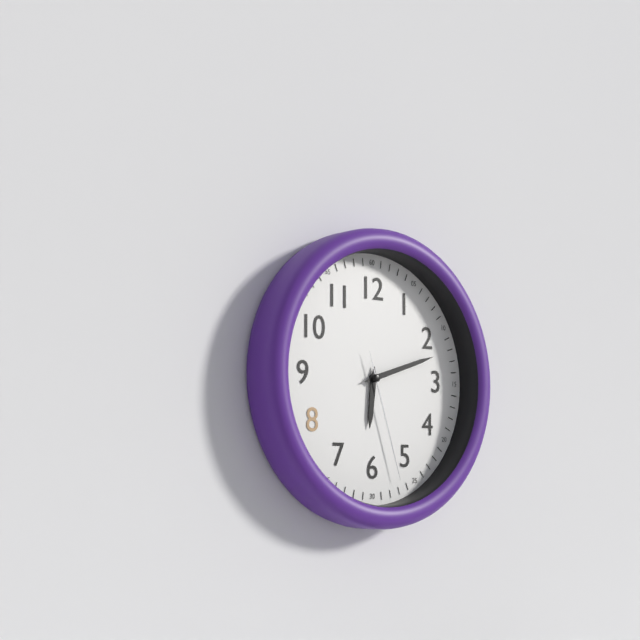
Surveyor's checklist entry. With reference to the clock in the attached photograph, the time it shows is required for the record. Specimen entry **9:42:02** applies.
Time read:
**6:12:27**
